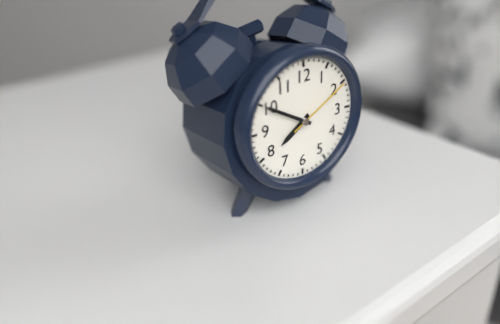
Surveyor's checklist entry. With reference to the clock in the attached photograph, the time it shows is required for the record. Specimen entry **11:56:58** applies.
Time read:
**7:50:10**
